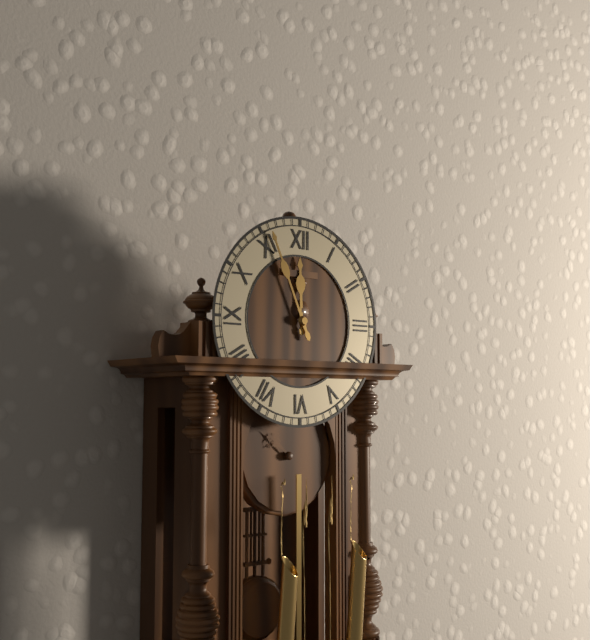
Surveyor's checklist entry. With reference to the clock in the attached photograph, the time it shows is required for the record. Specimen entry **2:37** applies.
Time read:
**11:56**
